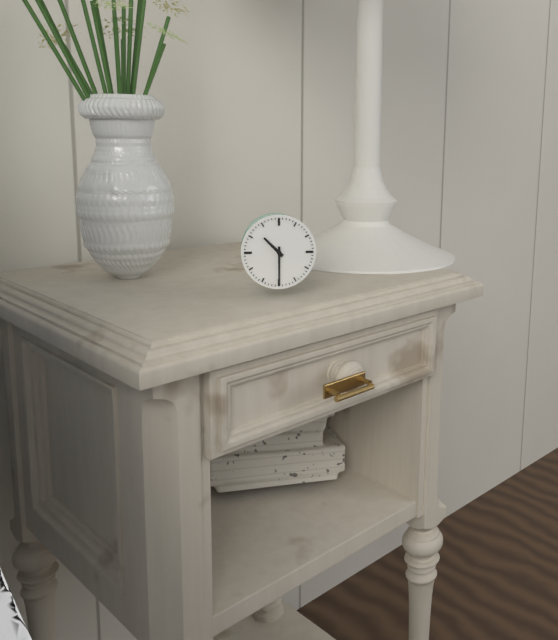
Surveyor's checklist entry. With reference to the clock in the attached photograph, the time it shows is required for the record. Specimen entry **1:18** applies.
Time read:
**10:30**
